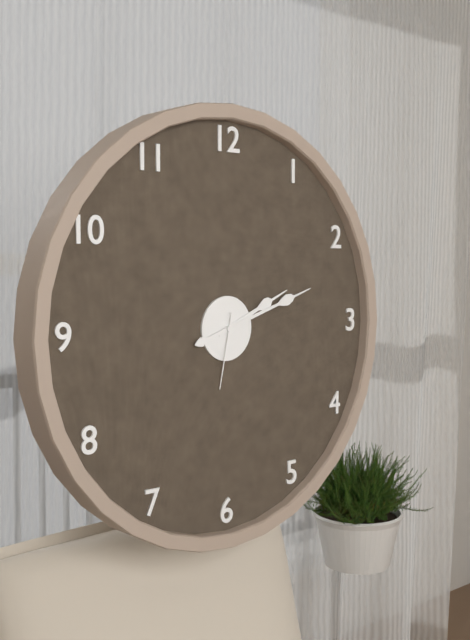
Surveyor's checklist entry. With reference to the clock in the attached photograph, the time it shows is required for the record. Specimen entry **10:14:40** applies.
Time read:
**2:12:32**
